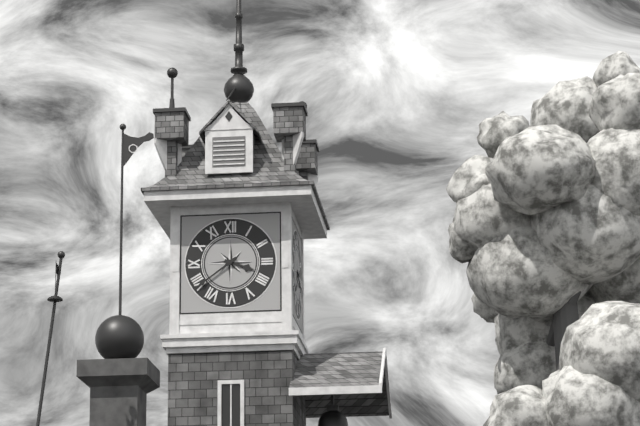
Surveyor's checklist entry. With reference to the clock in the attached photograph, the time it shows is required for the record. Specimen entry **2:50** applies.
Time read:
**3:39**
